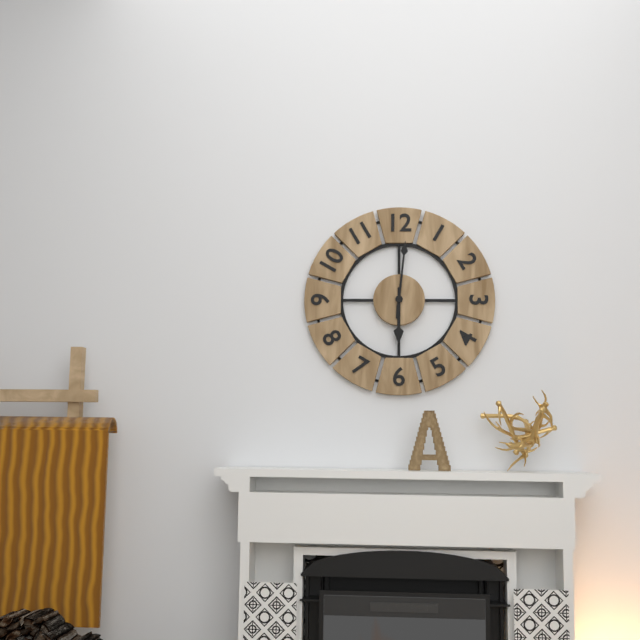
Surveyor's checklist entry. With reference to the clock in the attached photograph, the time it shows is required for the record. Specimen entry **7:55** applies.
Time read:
**6:01**
